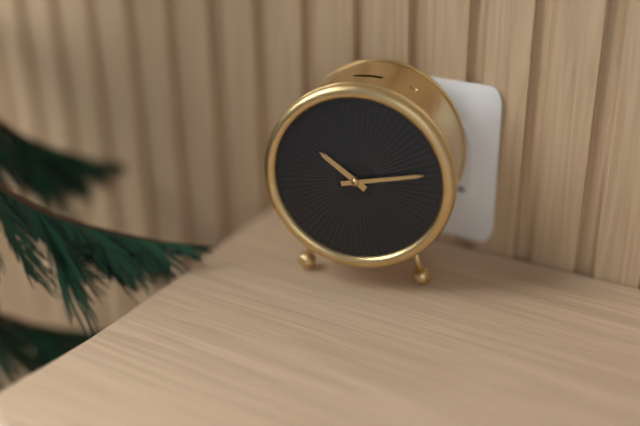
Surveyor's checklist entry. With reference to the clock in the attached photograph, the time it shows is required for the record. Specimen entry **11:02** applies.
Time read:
**10:13**
